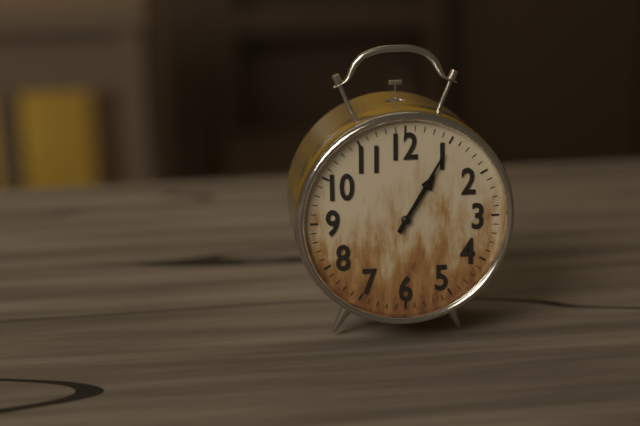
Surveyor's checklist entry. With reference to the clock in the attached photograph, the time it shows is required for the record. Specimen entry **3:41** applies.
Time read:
**1:05**
